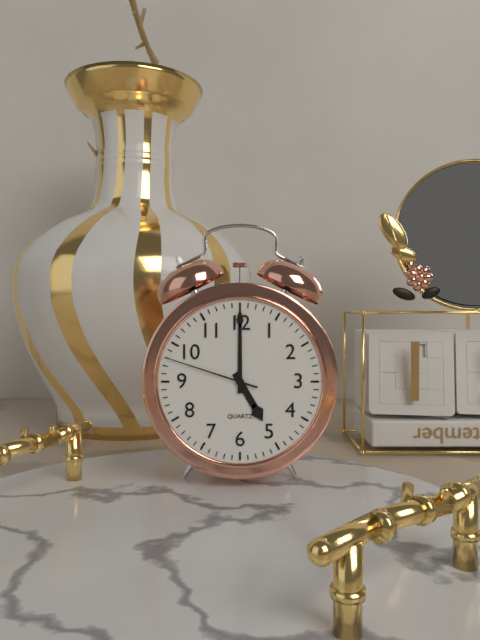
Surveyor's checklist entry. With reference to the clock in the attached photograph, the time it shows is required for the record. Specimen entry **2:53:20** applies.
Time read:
**5:00:48**
